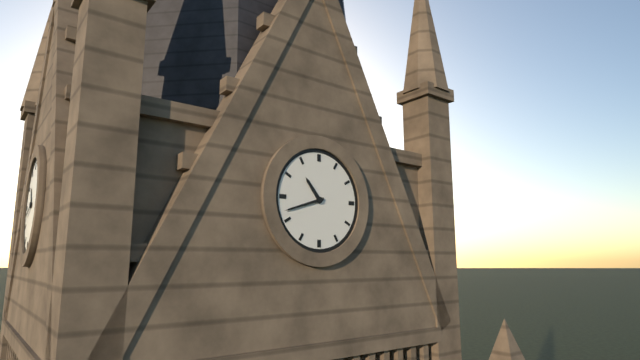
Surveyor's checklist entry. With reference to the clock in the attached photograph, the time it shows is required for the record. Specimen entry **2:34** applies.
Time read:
**10:42**
